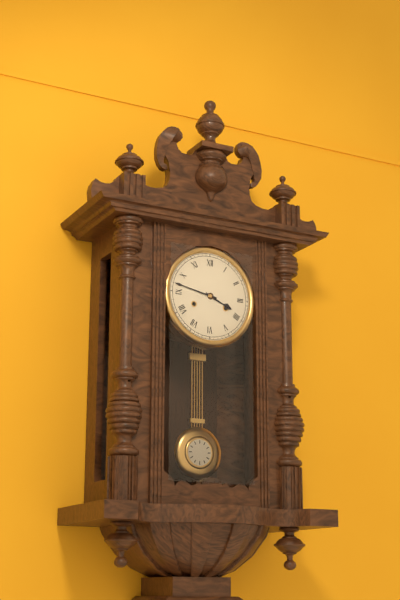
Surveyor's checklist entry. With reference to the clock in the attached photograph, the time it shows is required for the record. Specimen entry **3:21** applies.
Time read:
**3:47**
